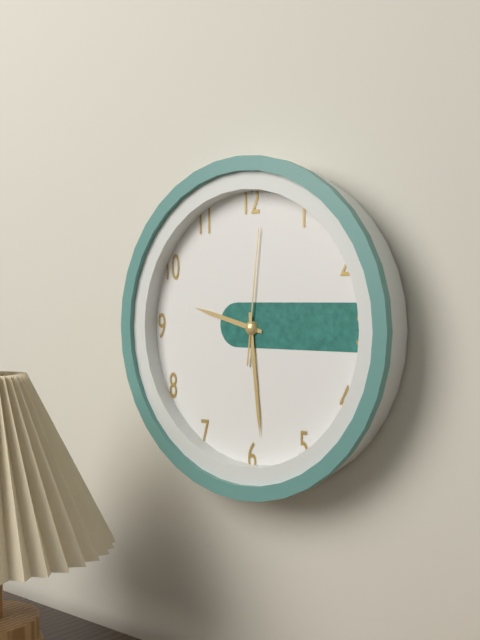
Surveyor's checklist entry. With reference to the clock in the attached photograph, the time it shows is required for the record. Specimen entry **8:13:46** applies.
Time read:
**9:29:01**
